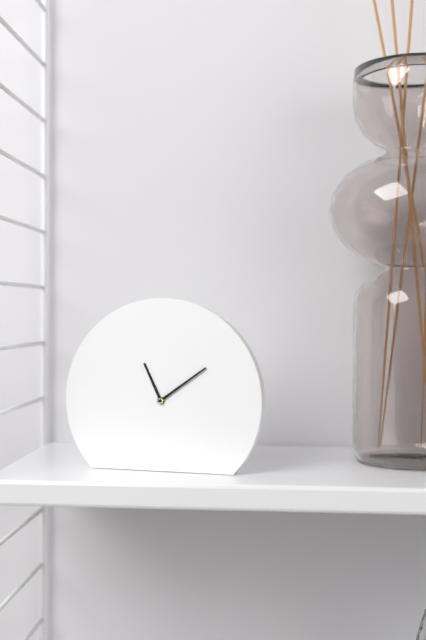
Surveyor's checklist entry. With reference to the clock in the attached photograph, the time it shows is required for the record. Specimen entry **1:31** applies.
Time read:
**11:09**
